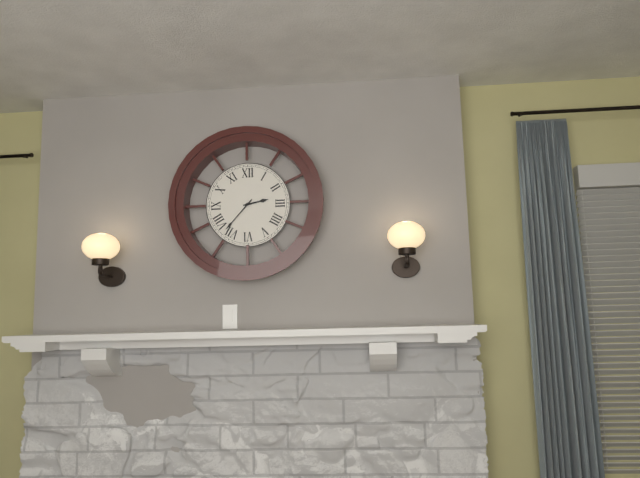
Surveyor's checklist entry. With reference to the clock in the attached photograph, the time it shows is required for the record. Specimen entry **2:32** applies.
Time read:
**2:37**
